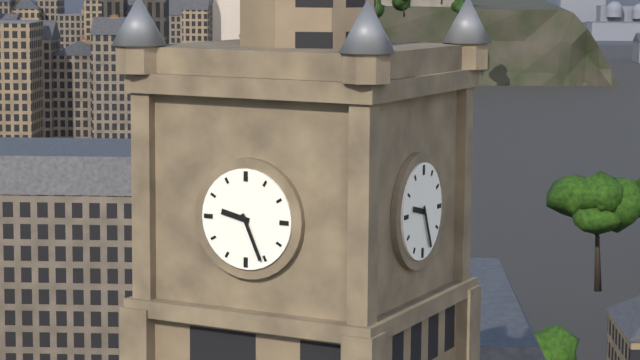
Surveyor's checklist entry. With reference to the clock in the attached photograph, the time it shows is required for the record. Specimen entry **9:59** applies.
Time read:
**9:26**
